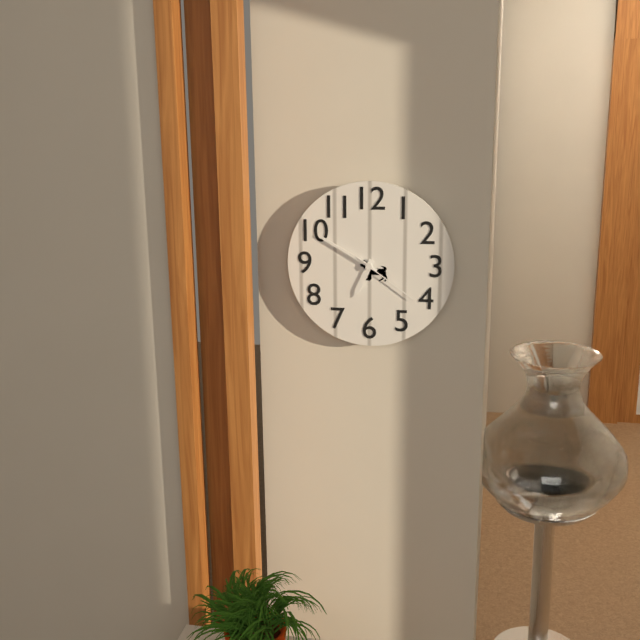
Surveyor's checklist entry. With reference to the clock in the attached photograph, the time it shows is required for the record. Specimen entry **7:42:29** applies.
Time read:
**6:50:21**
